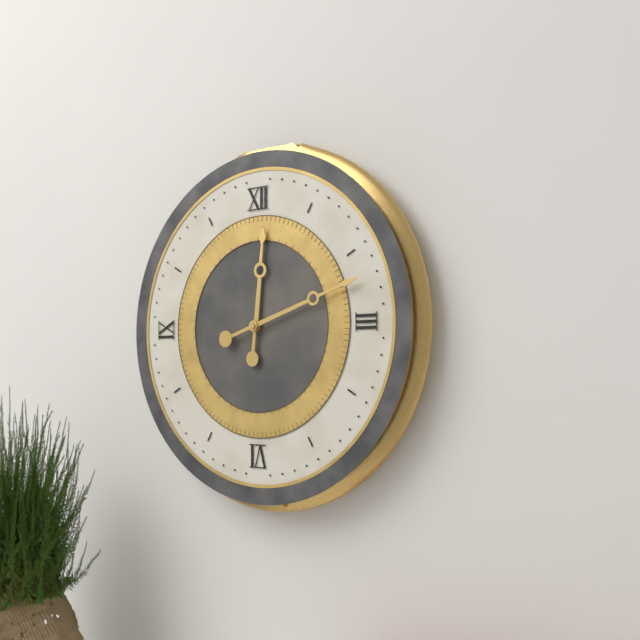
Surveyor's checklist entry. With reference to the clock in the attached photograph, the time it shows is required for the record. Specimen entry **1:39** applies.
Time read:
**12:12**
